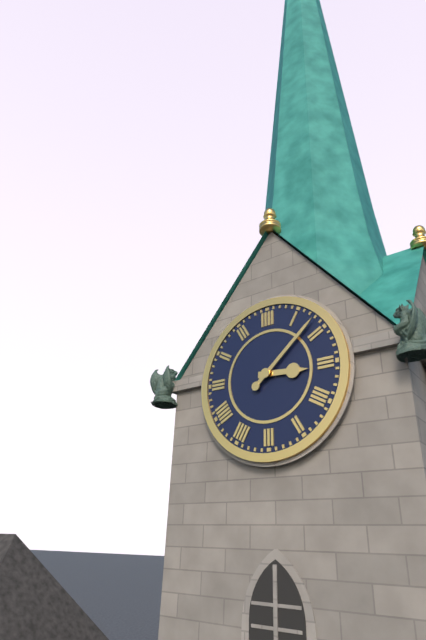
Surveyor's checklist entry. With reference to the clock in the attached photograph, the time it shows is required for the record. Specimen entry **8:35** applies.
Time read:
**3:08**
